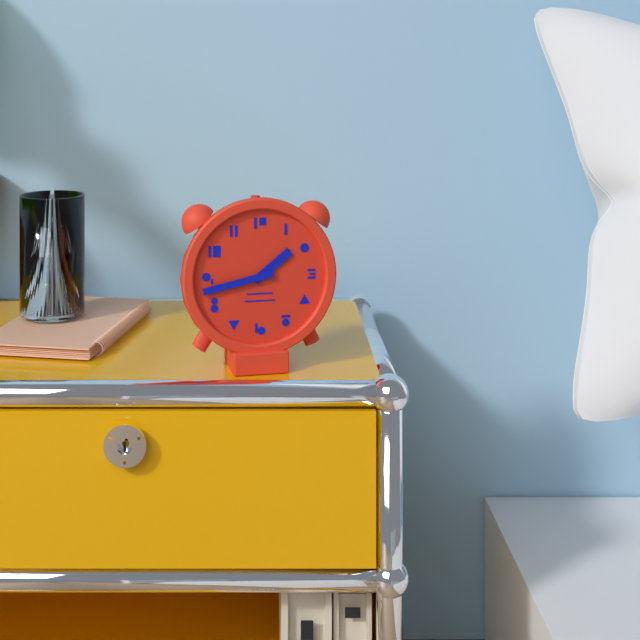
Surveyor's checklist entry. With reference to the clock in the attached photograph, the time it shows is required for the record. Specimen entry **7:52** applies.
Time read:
**1:43**
